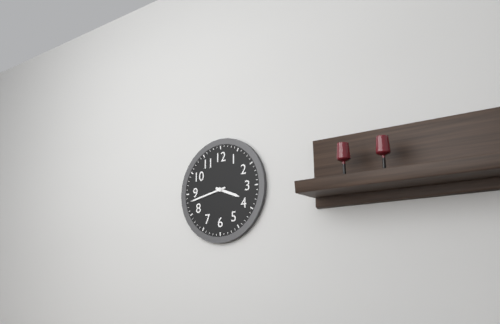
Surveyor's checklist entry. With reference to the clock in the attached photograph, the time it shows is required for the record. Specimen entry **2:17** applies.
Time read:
**3:43**
